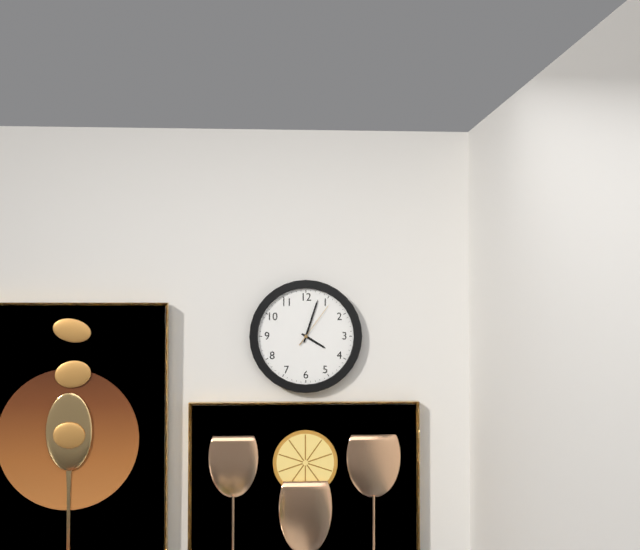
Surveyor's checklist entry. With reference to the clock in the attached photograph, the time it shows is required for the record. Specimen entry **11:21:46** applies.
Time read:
**4:03:06**
